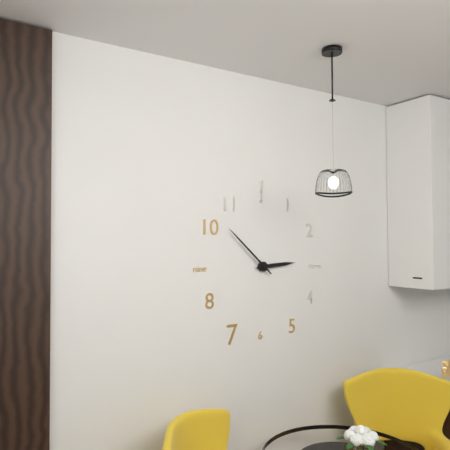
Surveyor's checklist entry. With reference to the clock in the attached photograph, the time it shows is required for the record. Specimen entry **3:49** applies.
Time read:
**2:52**
